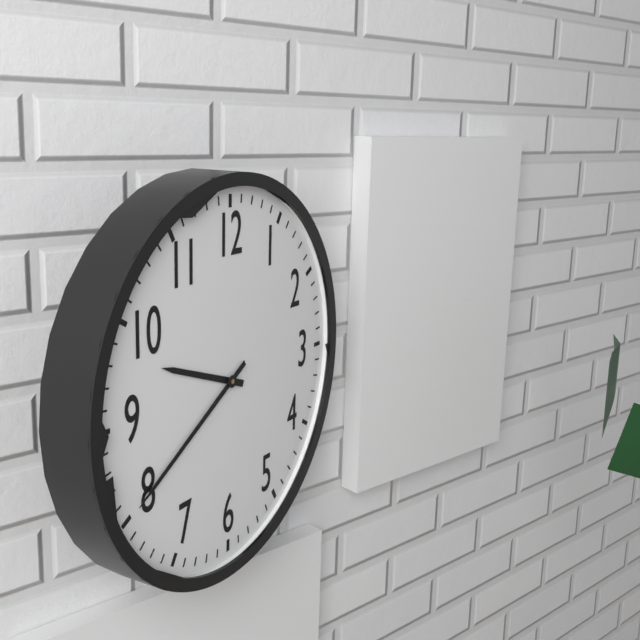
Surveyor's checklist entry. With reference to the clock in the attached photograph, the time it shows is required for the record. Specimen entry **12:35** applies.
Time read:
**9:40**
